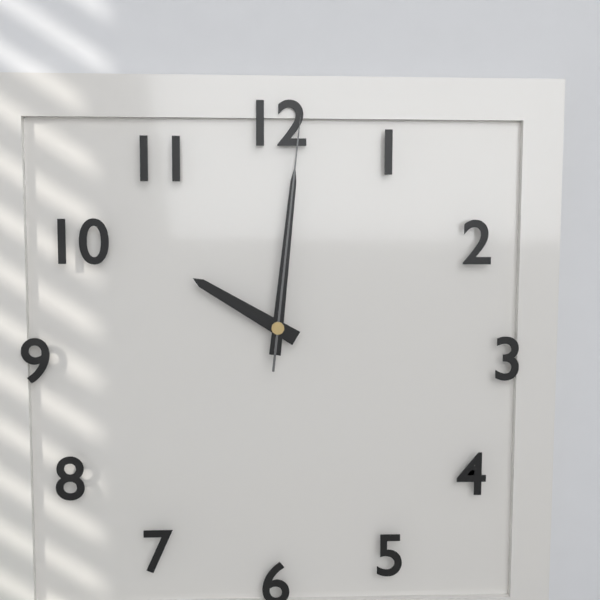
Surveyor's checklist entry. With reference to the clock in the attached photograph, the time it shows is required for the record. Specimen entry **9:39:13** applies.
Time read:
**10:01:01**
